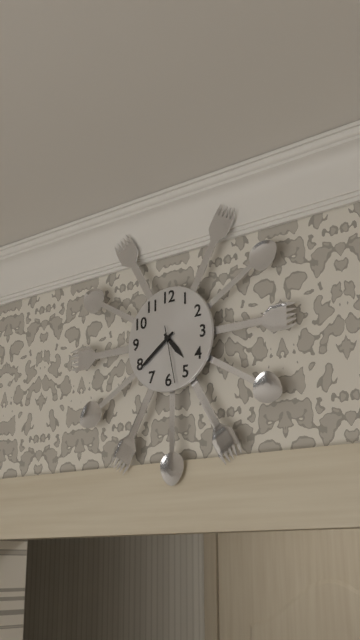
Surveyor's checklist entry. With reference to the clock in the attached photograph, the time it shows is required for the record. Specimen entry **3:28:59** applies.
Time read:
**4:39:28**
